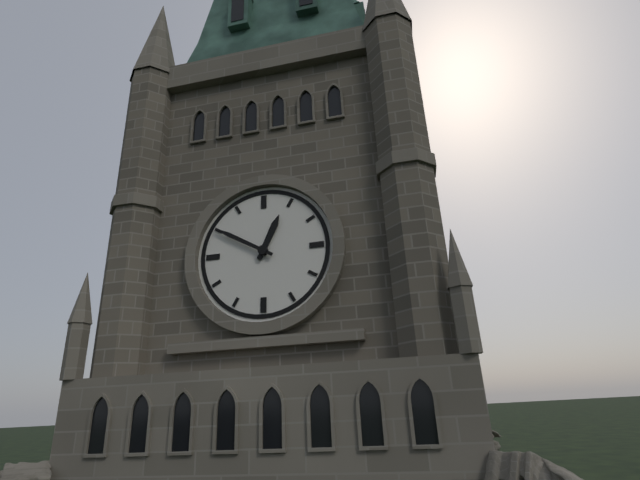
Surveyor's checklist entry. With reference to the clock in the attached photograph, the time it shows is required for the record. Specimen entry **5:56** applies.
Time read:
**12:50**
